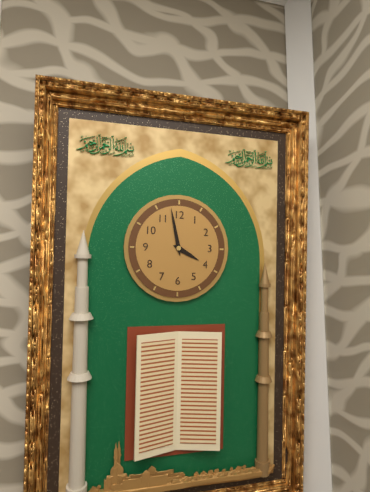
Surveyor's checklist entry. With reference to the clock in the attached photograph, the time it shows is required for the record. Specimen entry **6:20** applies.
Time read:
**3:58**
